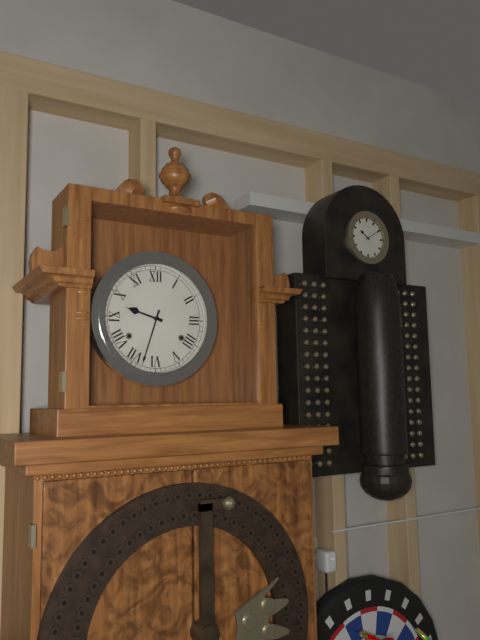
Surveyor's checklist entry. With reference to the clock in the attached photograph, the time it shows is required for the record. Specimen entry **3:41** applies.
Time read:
**9:33**
